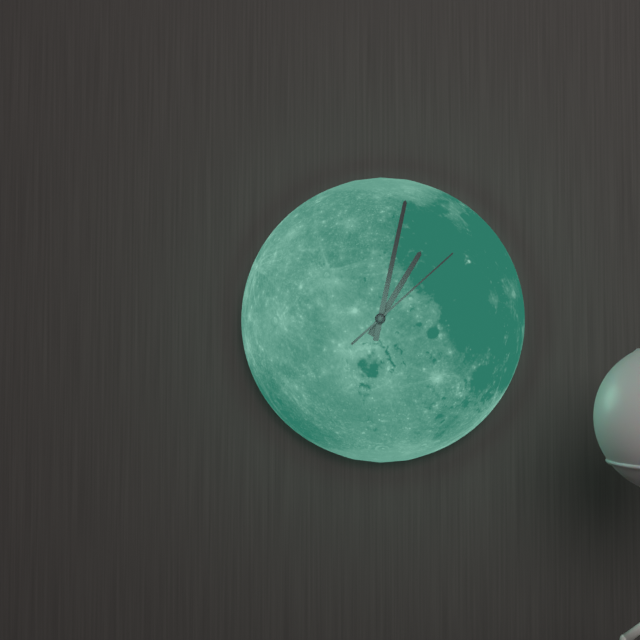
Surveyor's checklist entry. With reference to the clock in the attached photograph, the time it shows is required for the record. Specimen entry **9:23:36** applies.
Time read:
**1:02:08**
